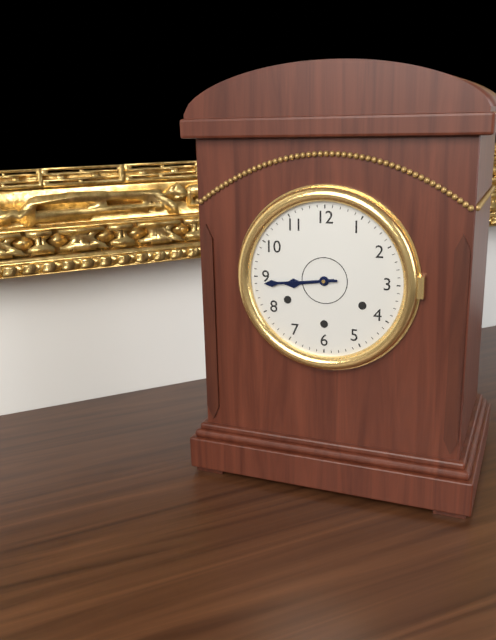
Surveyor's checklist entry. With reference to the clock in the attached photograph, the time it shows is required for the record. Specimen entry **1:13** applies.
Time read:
**8:44**
